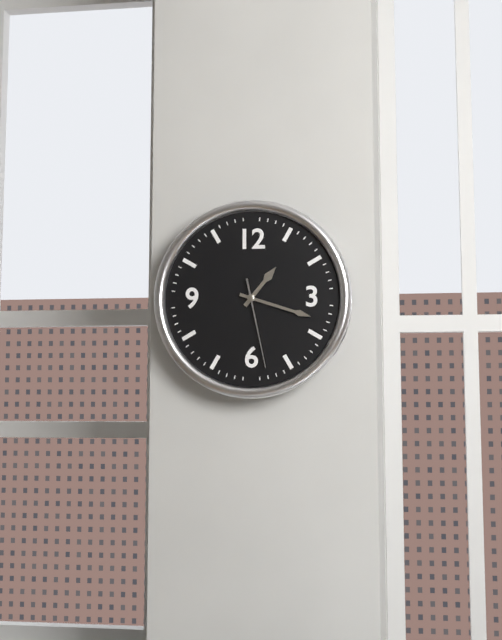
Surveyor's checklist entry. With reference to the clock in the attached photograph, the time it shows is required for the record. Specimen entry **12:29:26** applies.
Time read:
**1:18:28**
